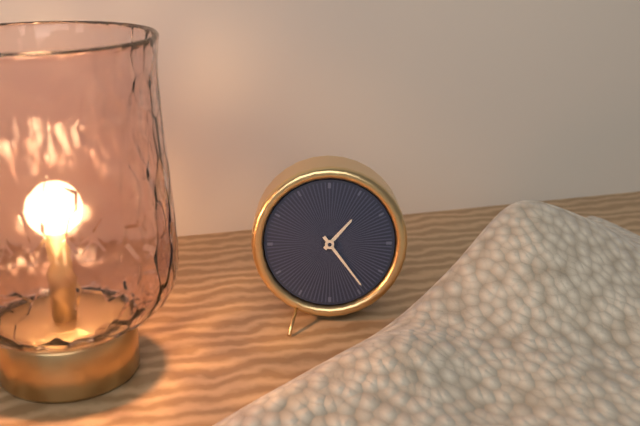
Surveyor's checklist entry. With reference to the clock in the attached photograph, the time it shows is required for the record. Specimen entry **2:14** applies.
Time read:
**1:24**
